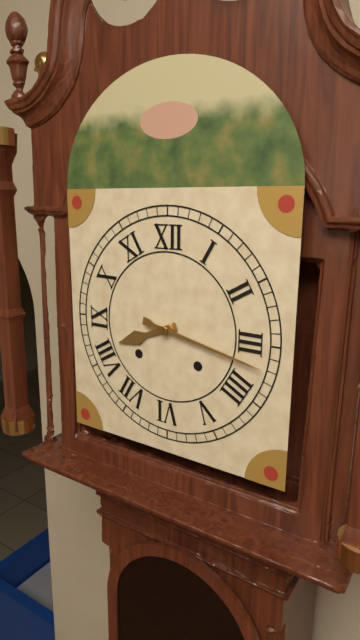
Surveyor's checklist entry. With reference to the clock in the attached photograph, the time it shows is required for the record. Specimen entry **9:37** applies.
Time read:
**8:17**
